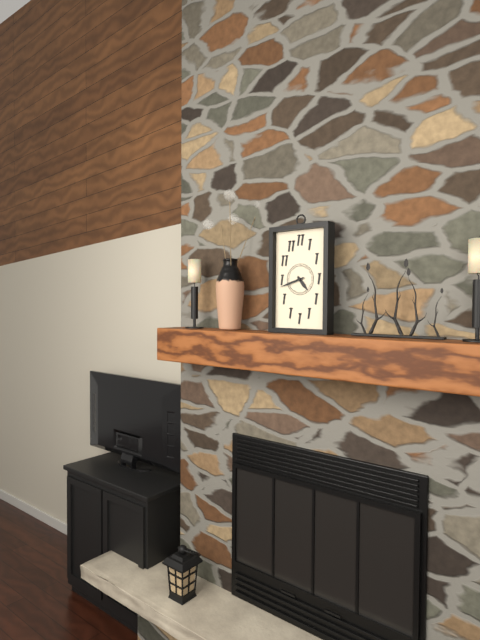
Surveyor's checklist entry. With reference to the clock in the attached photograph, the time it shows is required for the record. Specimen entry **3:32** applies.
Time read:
**4:42**
